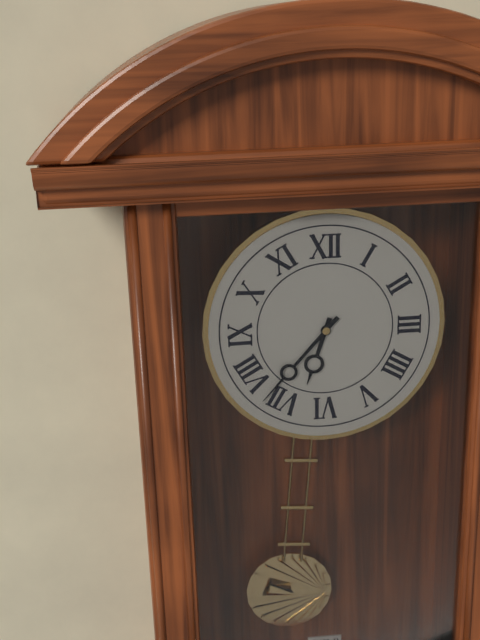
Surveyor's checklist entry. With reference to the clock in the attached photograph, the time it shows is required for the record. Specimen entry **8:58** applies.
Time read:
**6:37**
